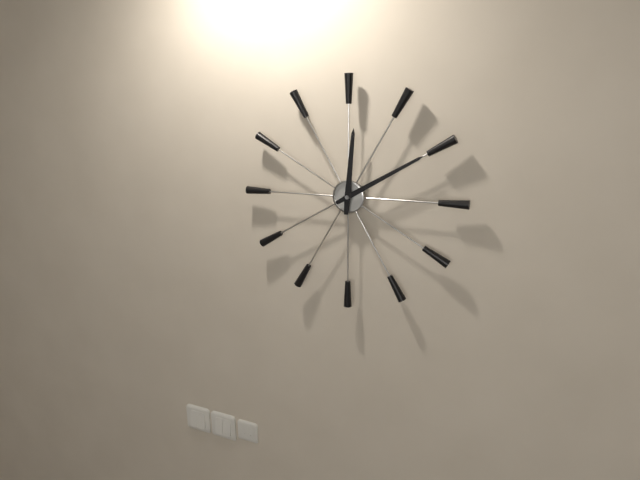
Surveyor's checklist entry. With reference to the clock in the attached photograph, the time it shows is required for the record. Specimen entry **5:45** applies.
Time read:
**12:10**
